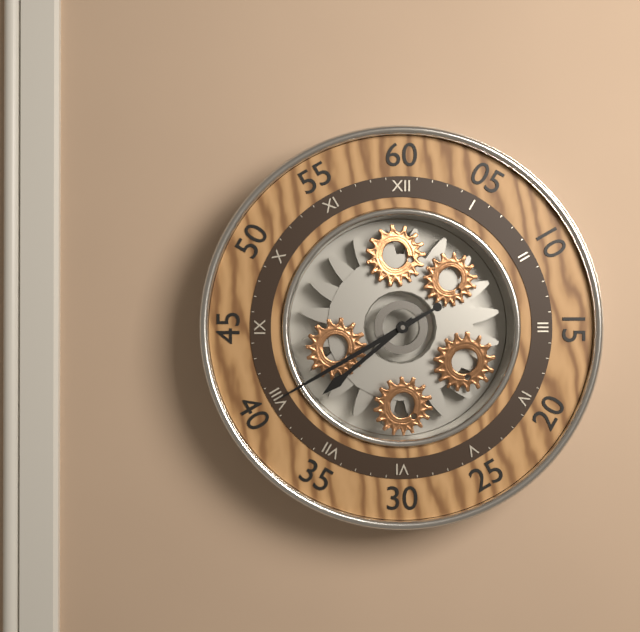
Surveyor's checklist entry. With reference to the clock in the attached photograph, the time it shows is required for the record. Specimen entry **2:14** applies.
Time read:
**7:40**
